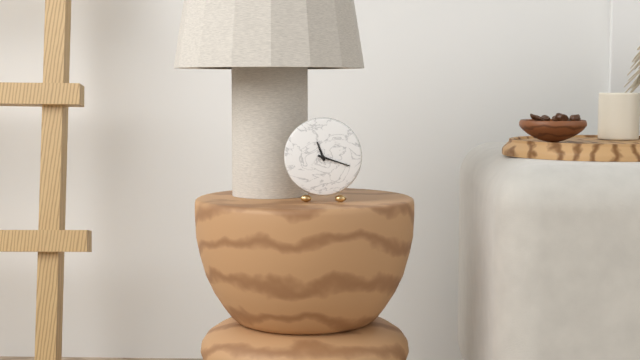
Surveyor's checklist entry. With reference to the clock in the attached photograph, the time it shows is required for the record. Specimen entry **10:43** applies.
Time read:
**11:18**
